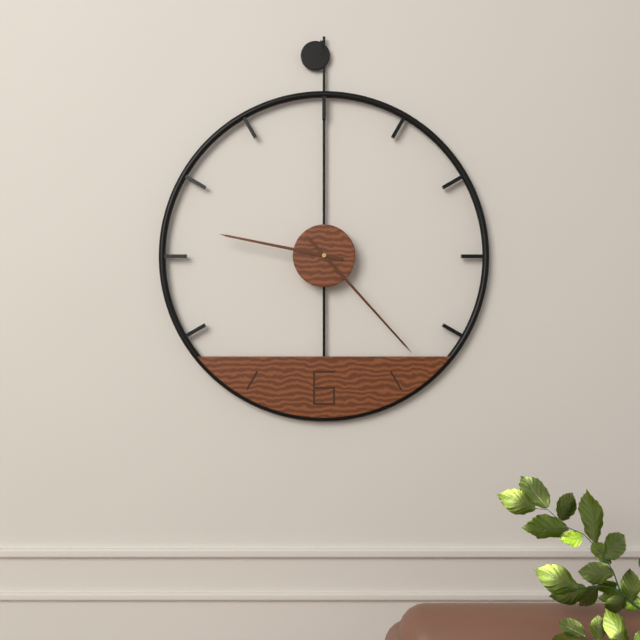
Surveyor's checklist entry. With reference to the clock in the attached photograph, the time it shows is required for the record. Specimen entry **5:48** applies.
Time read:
**9:23**
